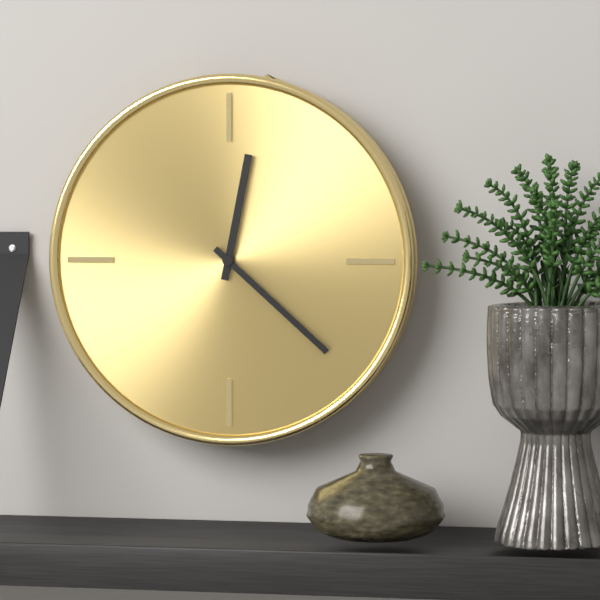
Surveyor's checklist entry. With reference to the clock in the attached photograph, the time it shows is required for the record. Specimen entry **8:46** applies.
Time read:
**12:22**
